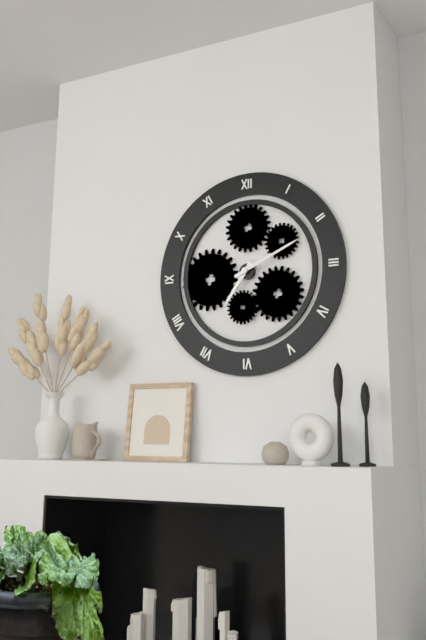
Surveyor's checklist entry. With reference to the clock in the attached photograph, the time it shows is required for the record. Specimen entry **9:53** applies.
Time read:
**7:11**
